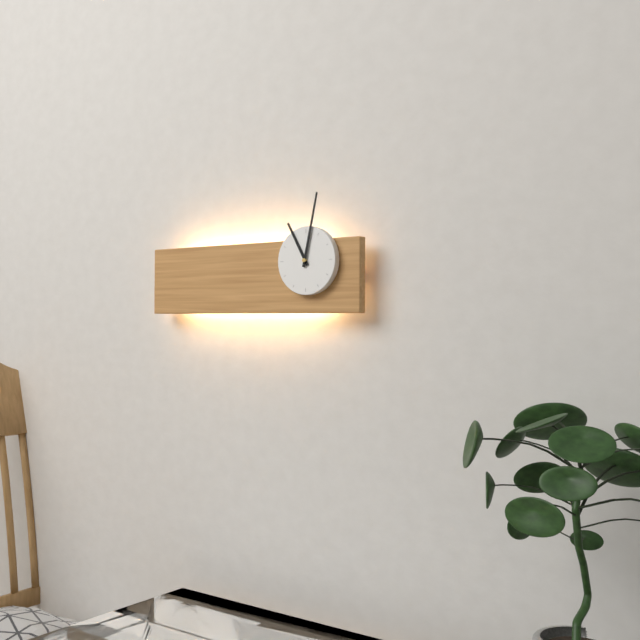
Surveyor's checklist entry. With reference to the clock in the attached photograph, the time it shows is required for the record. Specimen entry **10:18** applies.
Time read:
**11:02**
